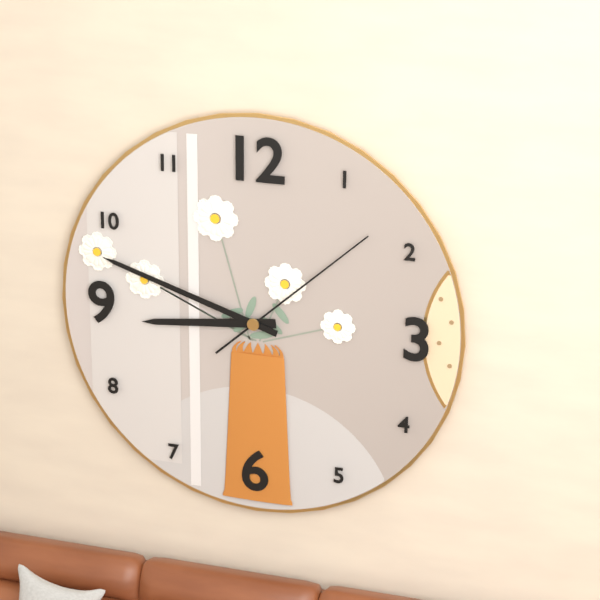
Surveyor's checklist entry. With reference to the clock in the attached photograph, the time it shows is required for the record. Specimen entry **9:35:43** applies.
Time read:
**8:48:08**
